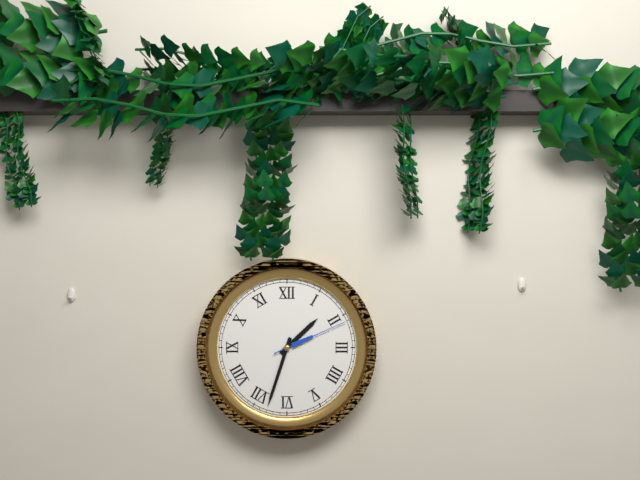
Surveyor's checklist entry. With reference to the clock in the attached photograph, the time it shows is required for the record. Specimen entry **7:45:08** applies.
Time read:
**1:33:11**
